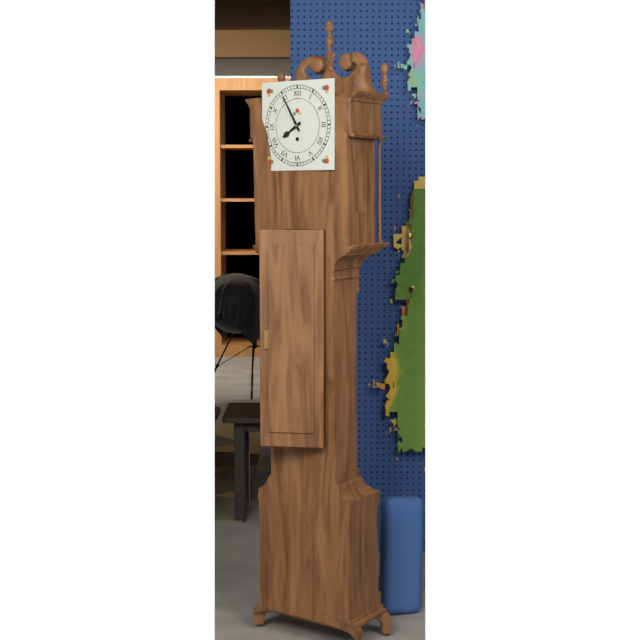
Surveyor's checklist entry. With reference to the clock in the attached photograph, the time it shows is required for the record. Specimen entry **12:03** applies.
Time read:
**7:55**
